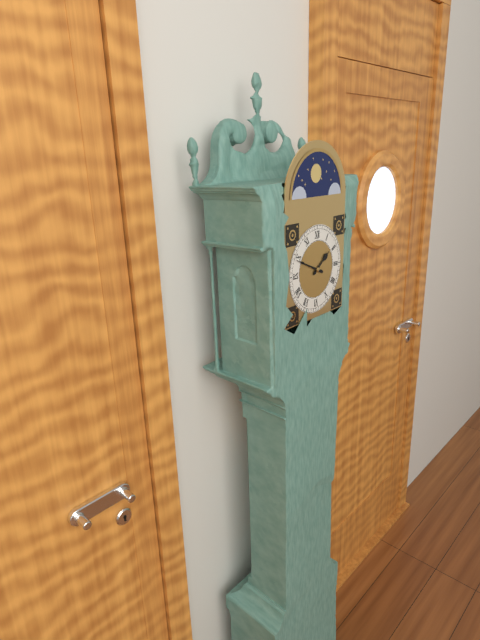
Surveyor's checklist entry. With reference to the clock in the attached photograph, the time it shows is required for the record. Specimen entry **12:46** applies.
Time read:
**1:49**
